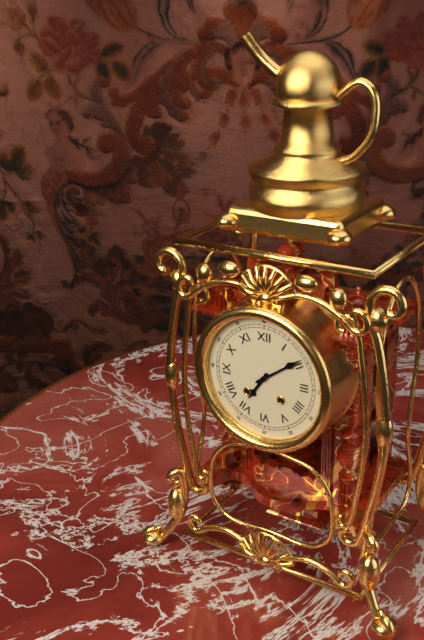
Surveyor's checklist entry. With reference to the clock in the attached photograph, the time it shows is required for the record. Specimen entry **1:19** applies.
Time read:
**7:09**
